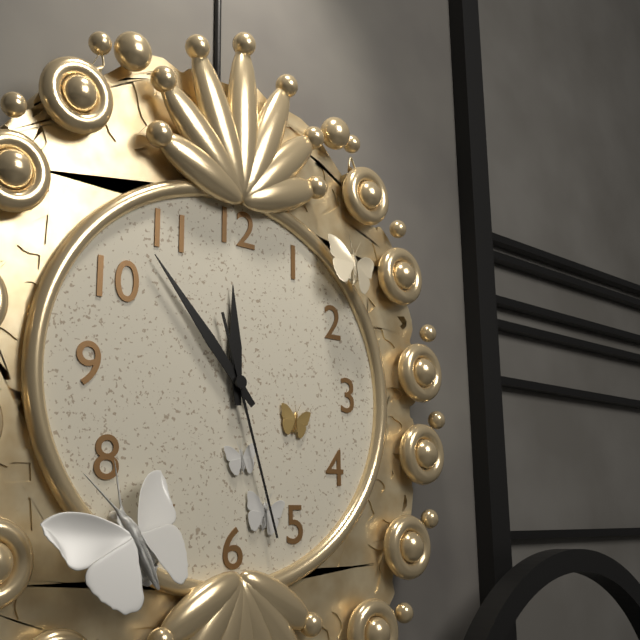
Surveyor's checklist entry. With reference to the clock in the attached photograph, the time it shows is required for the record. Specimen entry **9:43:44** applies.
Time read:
**11:53:27**
